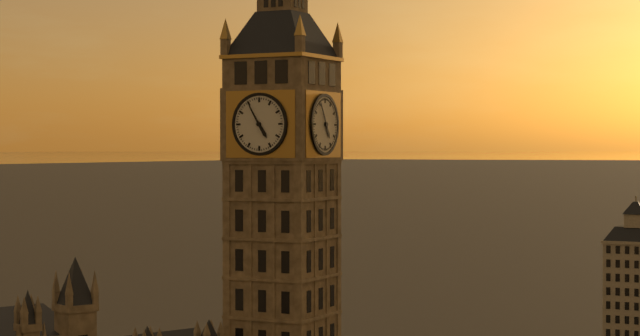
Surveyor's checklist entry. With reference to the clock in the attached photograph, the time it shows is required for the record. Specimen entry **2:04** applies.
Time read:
**4:55**
